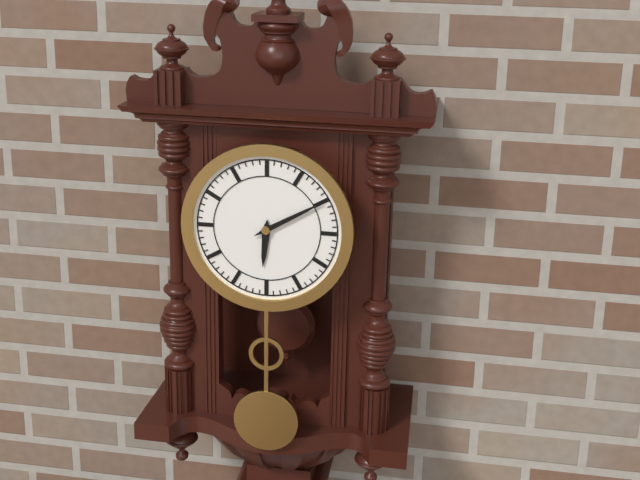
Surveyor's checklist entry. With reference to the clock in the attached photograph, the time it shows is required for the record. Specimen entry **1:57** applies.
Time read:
**6:10**
